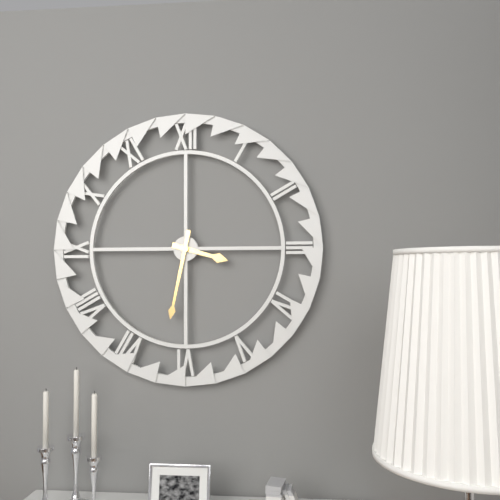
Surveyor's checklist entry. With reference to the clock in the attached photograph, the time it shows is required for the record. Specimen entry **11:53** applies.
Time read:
**3:32**
